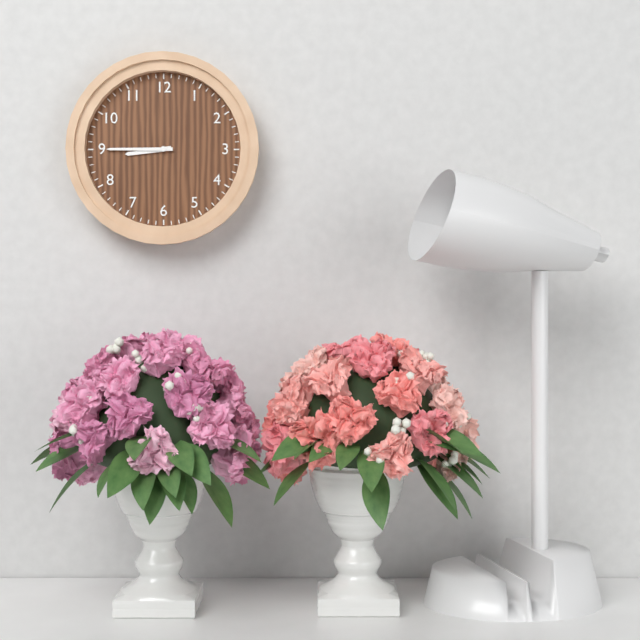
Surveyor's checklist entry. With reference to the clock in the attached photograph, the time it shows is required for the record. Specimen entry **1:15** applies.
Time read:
**8:45**
